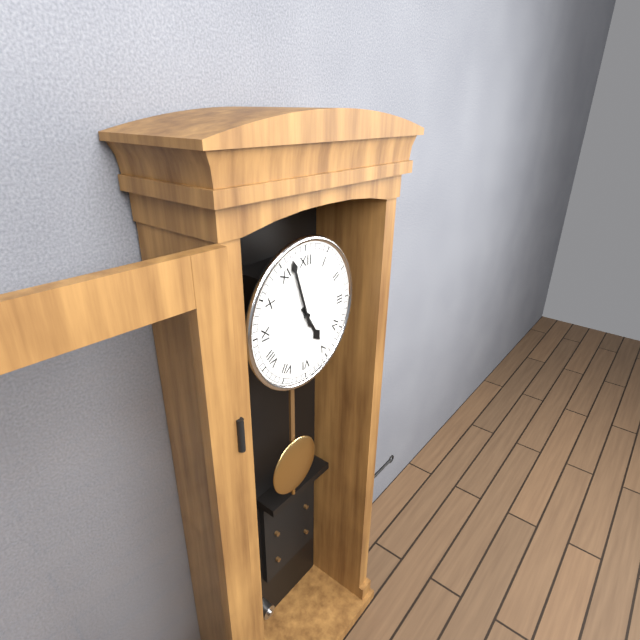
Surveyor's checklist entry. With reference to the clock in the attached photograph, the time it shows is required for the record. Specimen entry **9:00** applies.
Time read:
**4:57**
